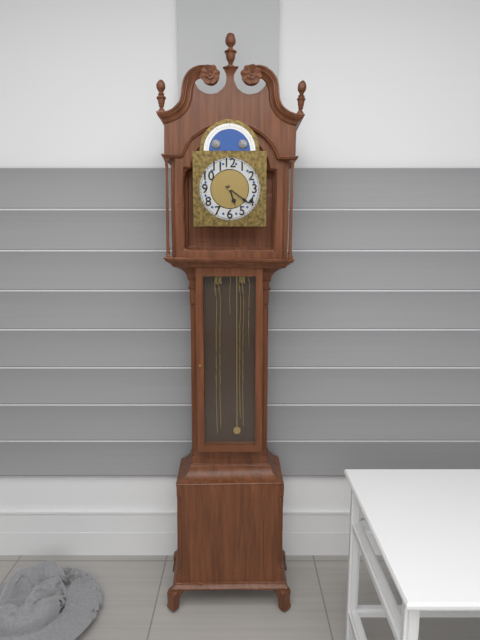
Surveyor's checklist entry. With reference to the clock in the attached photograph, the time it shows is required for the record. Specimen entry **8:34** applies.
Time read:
**5:21**
